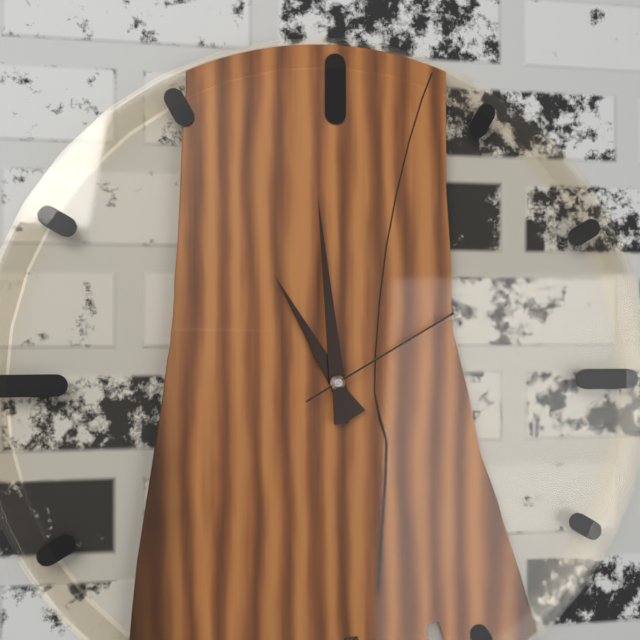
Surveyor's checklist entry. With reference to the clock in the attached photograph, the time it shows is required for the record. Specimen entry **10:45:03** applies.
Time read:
**10:59:10**
